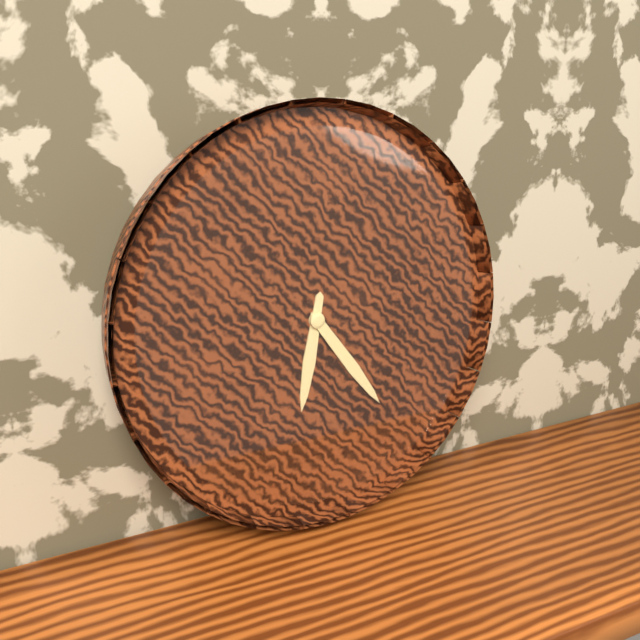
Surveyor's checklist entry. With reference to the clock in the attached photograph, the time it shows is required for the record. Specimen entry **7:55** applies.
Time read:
**6:24**
